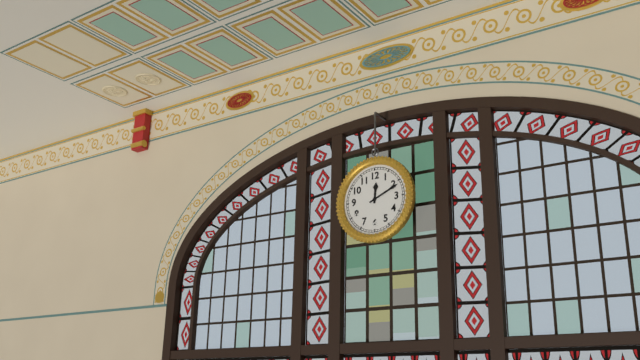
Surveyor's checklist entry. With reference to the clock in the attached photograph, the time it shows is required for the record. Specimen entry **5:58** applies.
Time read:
**12:11**
